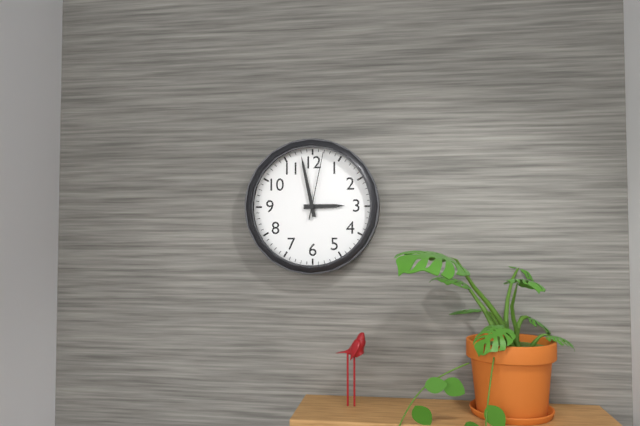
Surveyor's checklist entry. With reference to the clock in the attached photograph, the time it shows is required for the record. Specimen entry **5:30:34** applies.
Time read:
**2:58:02**
